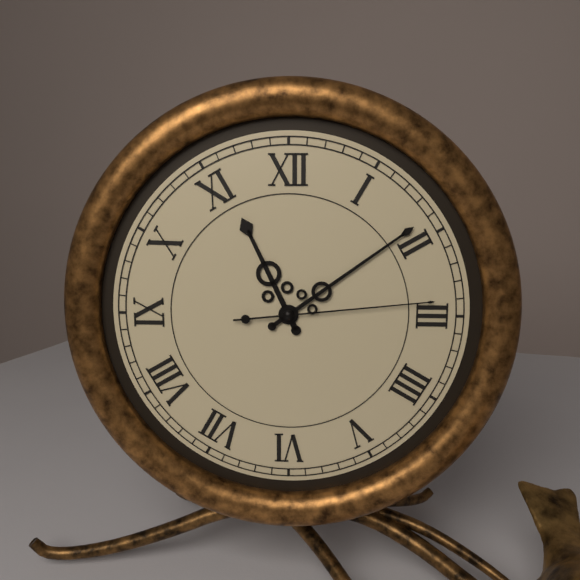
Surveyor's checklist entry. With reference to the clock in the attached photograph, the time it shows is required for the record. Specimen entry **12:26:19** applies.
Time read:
**11:09:14**
